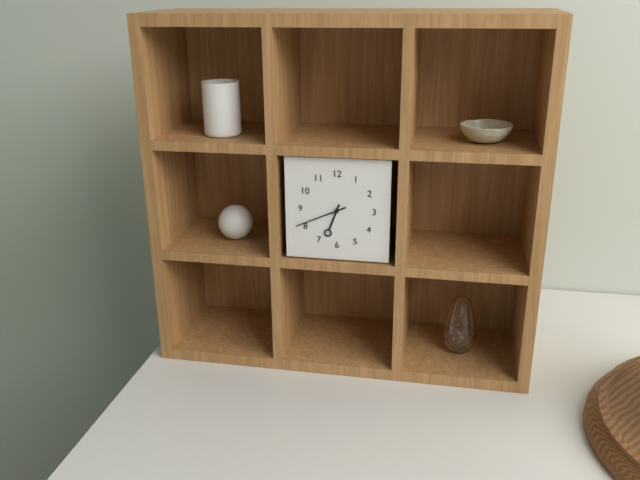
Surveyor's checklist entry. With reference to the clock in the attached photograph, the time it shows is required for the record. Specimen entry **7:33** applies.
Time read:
**6:41**
